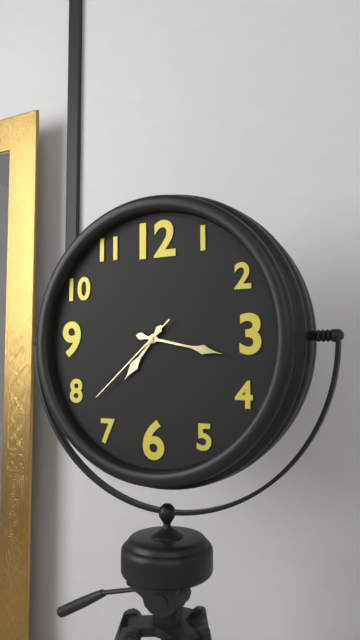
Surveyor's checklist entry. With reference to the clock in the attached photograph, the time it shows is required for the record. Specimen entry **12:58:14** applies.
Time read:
**7:17:38**
